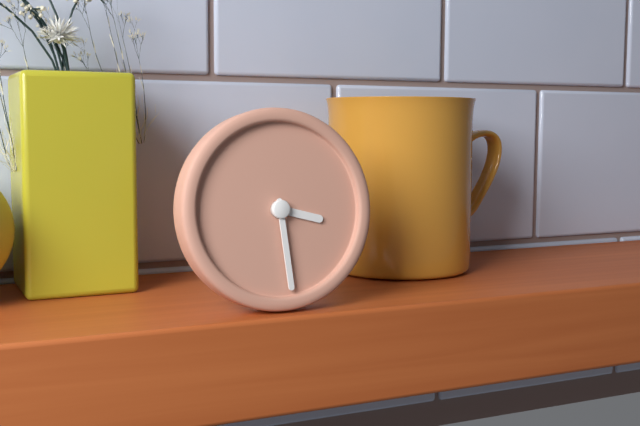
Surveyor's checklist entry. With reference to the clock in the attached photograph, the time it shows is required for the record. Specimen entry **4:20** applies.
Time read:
**3:29**
